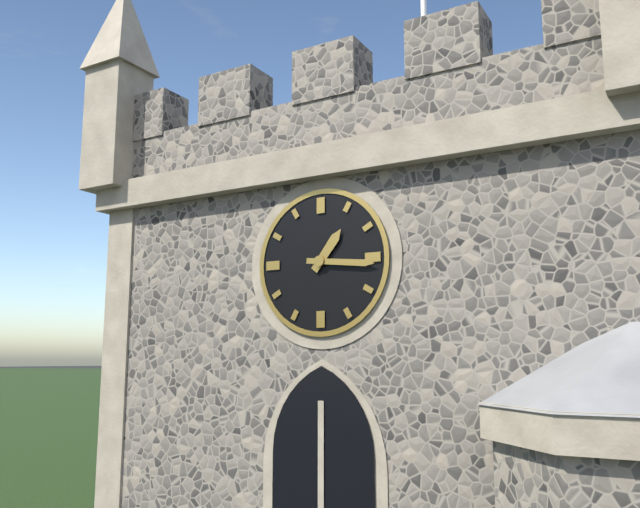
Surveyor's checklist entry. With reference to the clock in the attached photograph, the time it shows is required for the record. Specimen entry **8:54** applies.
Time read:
**1:16**
